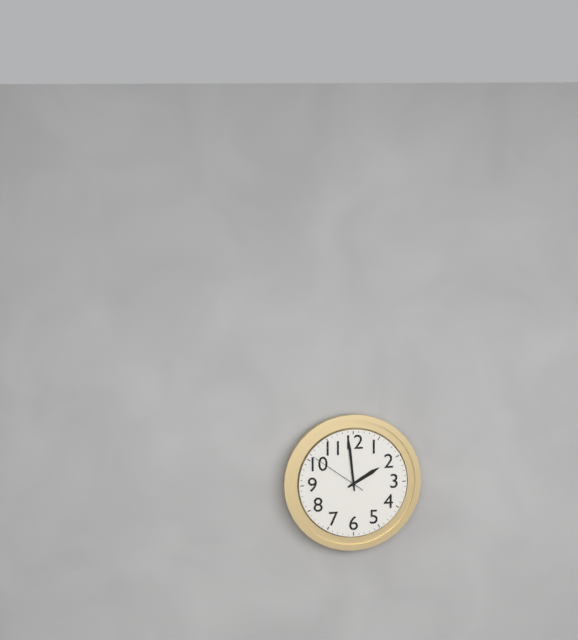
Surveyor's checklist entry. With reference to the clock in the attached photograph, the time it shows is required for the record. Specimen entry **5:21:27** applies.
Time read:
**1:59:51**
